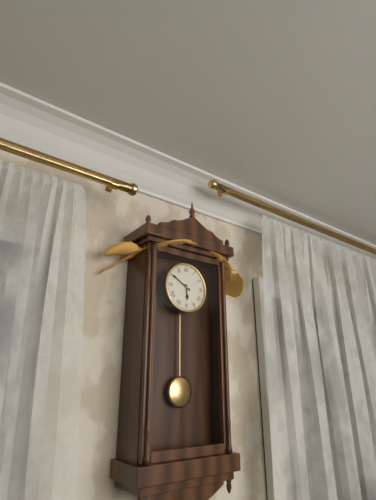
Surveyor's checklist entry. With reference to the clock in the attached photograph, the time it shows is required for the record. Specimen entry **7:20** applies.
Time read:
**5:50**
